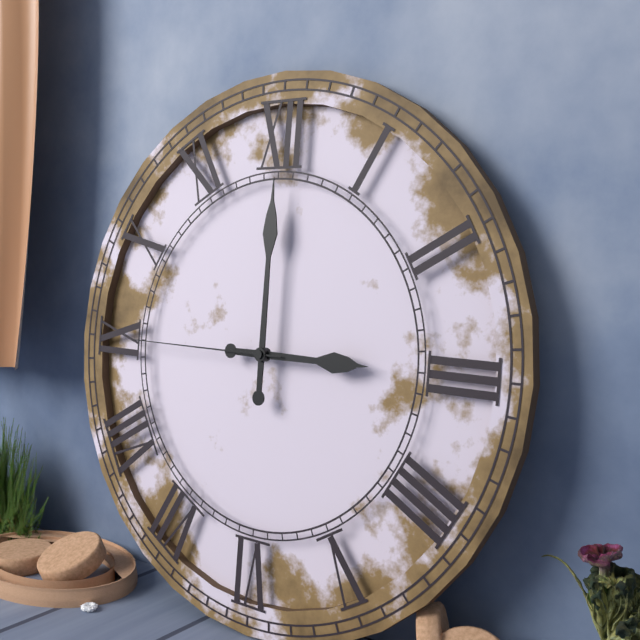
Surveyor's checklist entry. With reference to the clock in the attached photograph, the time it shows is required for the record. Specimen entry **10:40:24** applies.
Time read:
**3:00:45**
